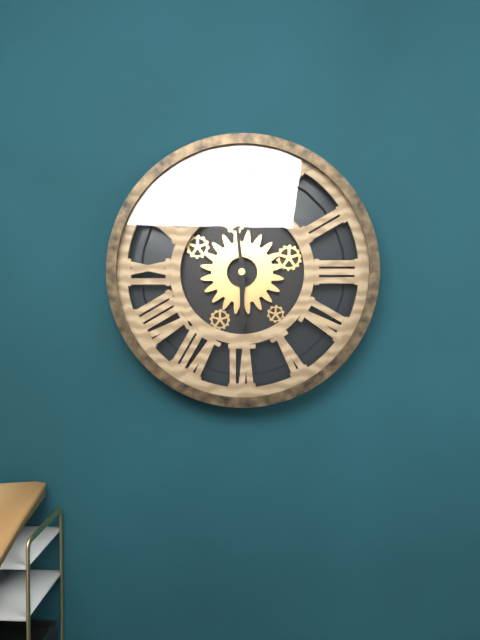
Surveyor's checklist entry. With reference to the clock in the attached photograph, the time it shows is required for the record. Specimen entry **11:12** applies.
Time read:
**5:59**
